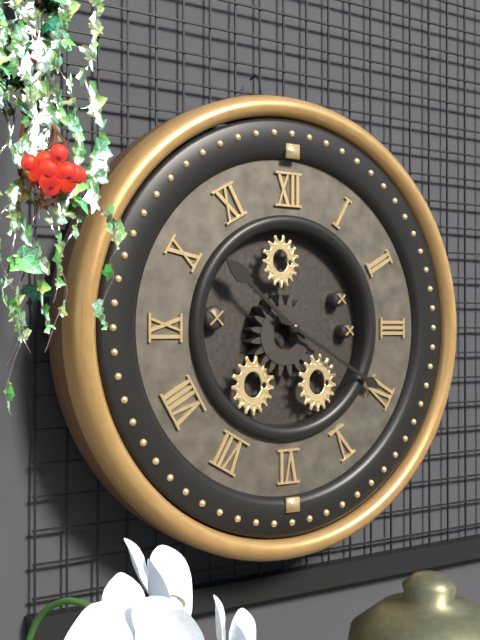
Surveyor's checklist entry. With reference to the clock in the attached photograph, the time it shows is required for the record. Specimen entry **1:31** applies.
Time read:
**10:20**
